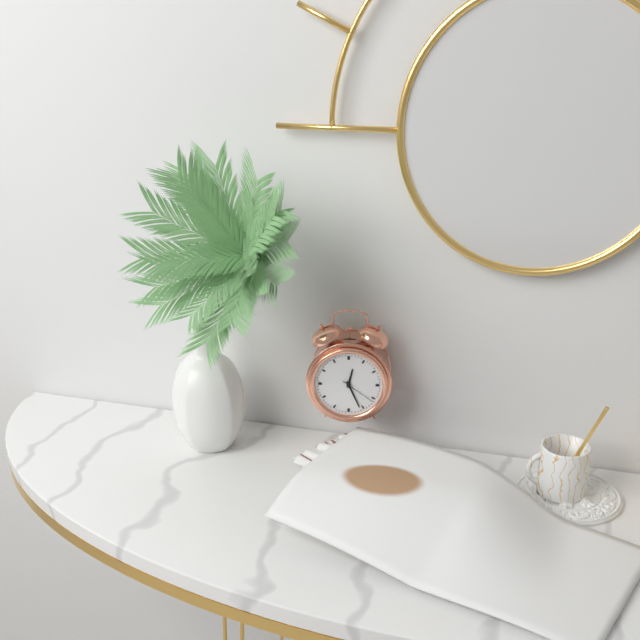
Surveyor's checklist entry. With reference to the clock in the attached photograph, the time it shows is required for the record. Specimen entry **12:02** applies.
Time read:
**12:26**
